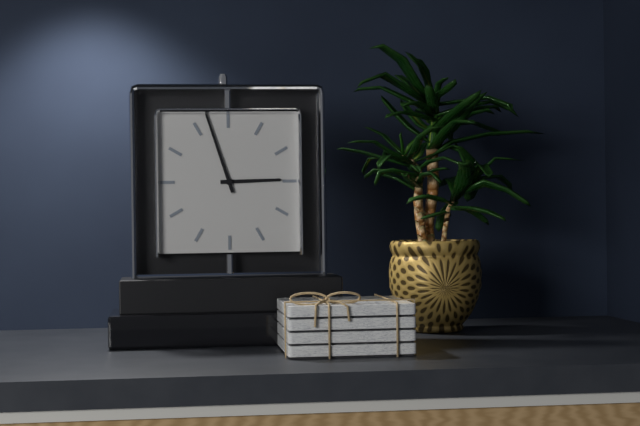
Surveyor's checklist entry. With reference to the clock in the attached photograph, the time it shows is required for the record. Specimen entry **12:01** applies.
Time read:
**2:57**
